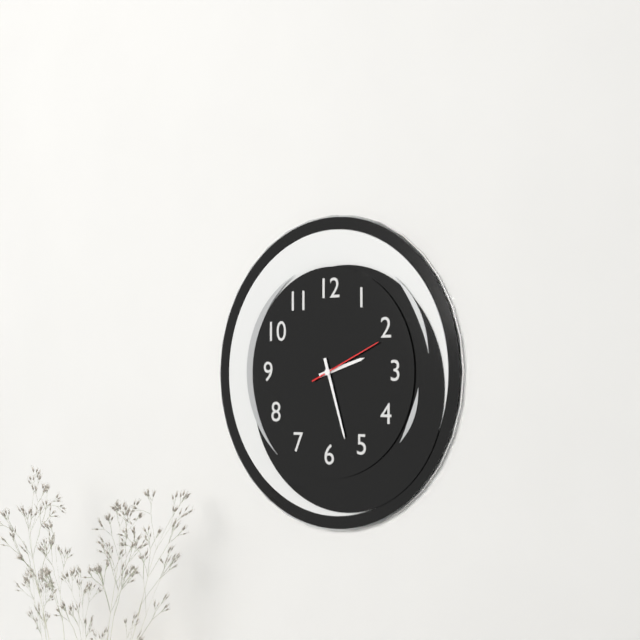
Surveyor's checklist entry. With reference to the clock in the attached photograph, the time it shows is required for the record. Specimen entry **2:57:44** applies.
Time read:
**2:27:11**
